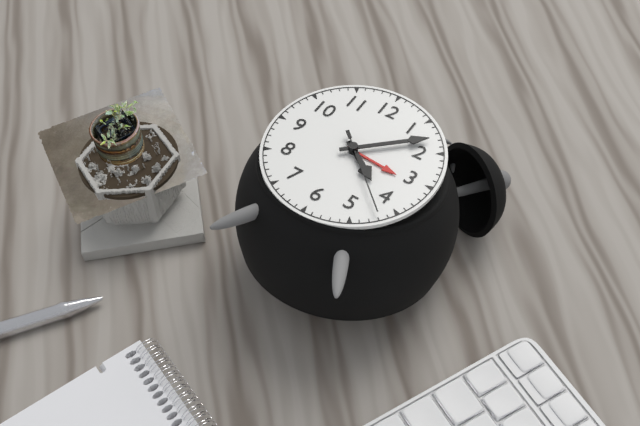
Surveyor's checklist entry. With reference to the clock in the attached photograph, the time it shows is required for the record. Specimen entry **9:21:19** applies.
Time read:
**4:08:22**
